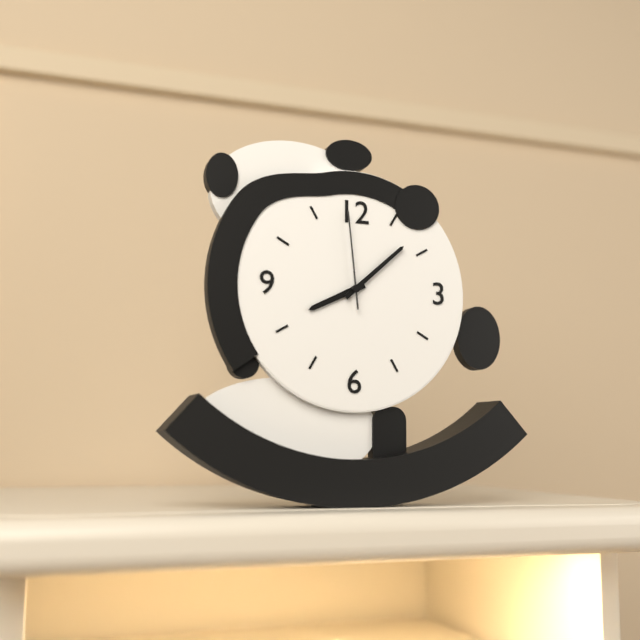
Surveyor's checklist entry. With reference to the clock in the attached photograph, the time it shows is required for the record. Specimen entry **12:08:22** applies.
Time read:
**8:08:59**
